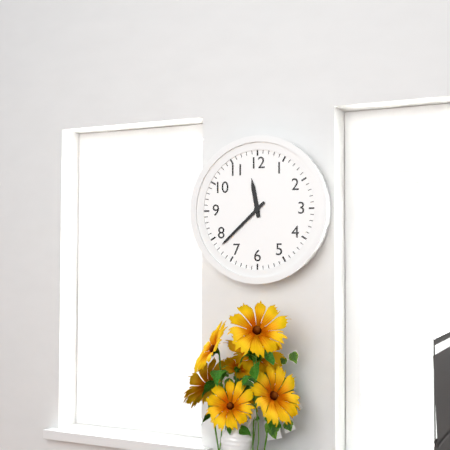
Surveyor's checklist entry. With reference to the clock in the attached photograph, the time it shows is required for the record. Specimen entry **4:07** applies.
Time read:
**11:38**
